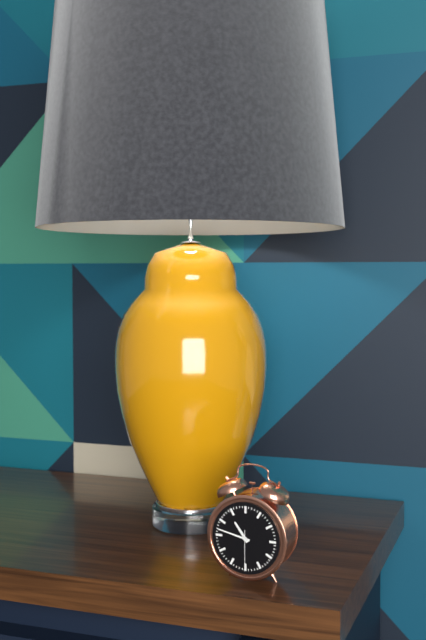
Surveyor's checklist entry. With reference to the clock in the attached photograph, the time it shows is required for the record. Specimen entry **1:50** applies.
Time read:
**10:47**
